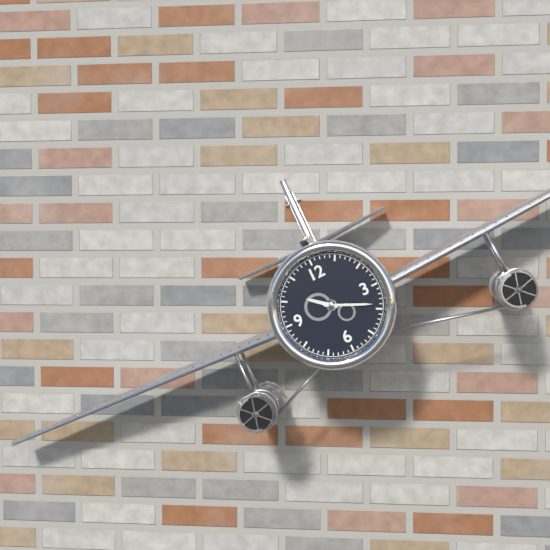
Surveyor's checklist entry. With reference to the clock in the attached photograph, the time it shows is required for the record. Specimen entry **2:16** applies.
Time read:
**10:19**
